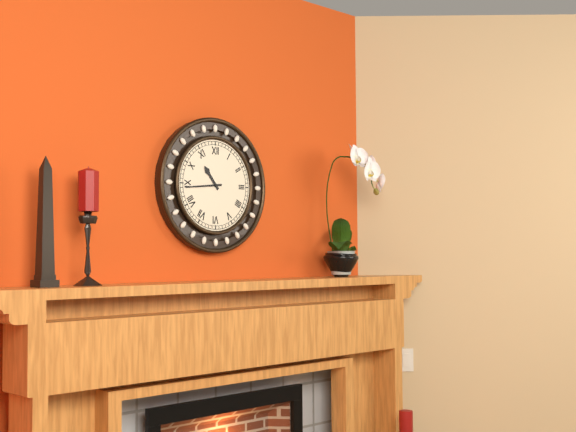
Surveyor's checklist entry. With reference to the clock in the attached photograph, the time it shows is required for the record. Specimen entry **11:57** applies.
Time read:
**10:44**
